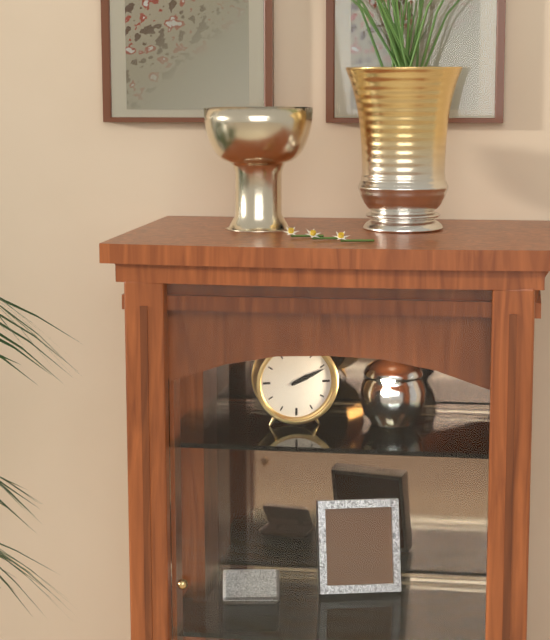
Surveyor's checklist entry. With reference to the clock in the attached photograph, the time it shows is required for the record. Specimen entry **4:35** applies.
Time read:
**2:11**
